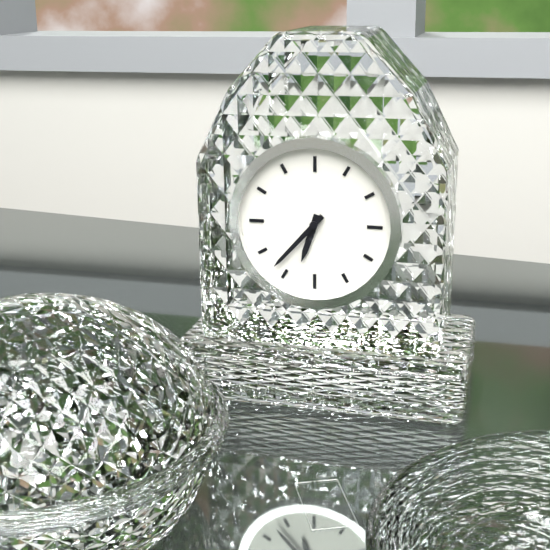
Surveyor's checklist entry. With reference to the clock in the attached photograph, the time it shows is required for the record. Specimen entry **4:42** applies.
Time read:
**6:37**
